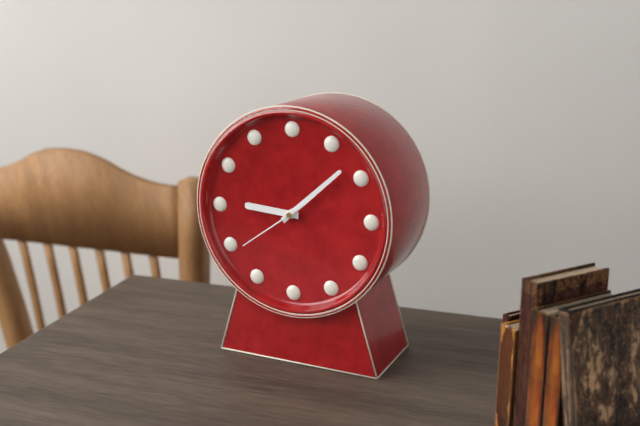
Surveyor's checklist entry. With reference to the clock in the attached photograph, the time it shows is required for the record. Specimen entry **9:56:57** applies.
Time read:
**9:08:39**
